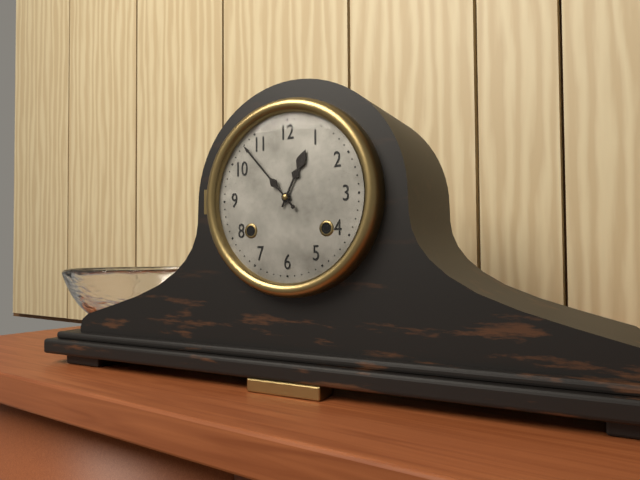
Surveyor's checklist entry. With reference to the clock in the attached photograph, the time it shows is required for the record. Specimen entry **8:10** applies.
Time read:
**12:53**
